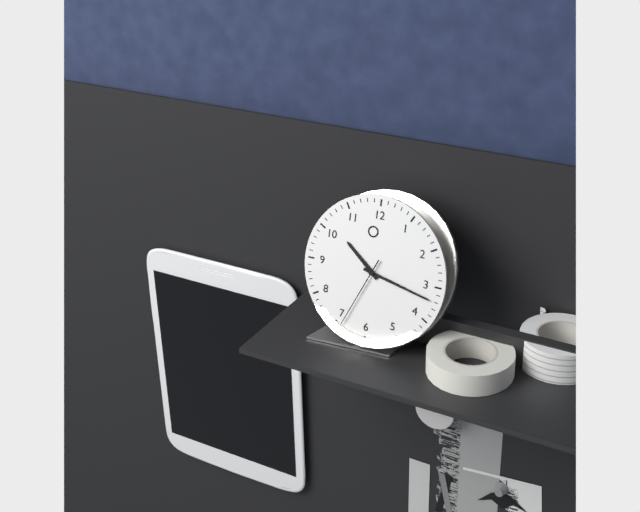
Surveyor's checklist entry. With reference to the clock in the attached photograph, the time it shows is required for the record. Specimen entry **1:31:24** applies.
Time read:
**10:17:34**
